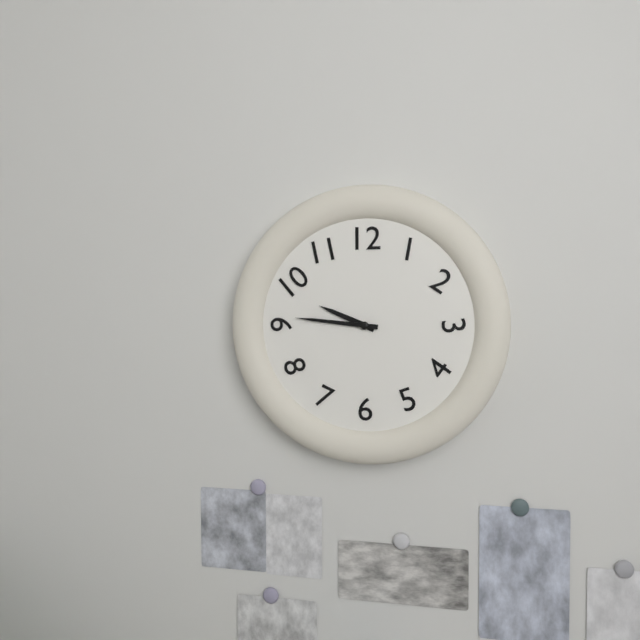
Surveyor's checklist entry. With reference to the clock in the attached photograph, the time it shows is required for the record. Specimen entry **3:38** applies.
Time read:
**9:46**
